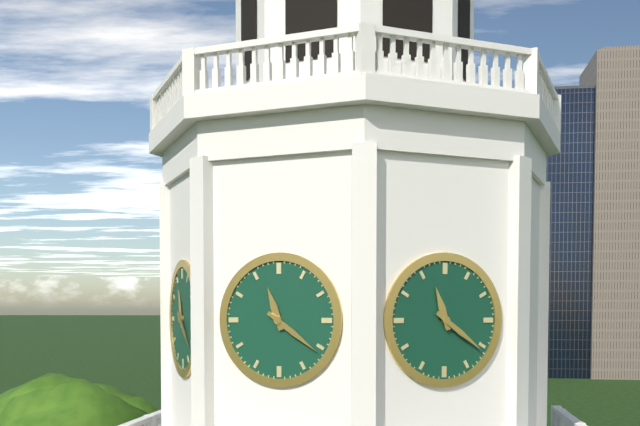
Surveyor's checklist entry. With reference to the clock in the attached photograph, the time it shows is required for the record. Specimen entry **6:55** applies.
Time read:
**11:21**
